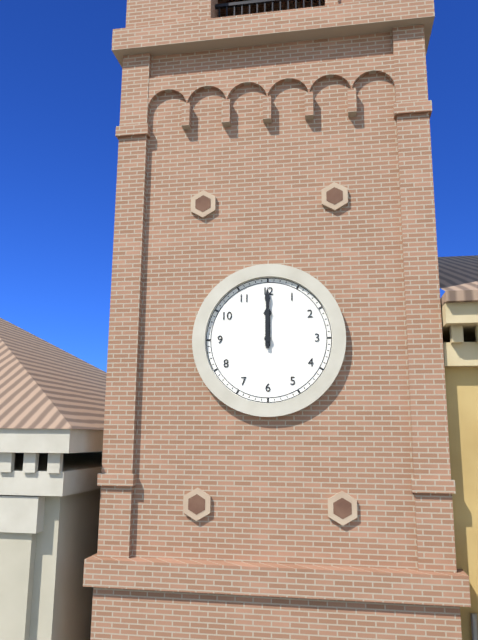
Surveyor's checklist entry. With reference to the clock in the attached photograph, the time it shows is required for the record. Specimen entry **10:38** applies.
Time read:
**12:00**
